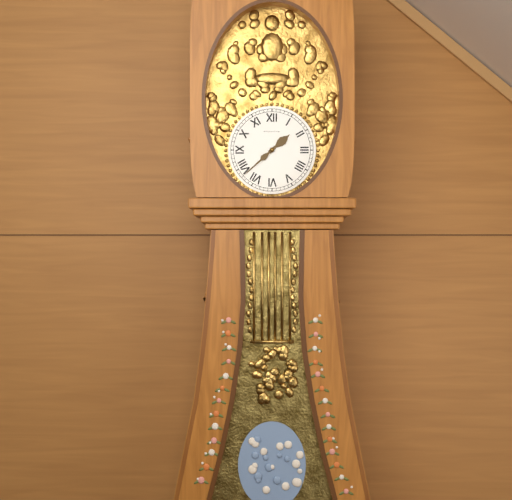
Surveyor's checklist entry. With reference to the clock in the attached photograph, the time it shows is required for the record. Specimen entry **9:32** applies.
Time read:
**1:38**
